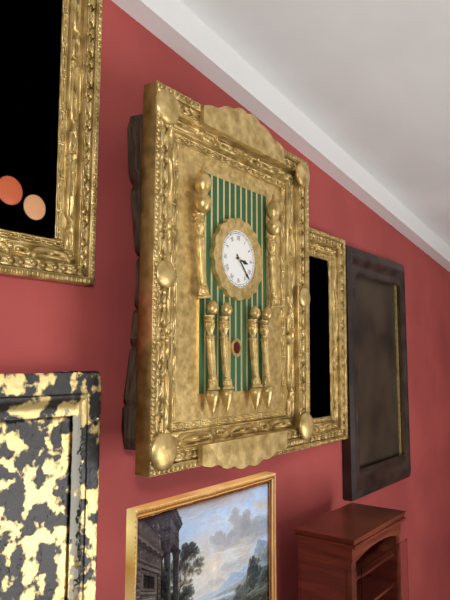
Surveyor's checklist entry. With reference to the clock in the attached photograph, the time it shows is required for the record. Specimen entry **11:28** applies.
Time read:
**3:23**
